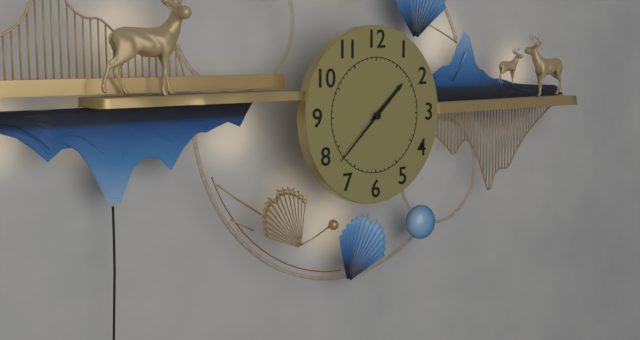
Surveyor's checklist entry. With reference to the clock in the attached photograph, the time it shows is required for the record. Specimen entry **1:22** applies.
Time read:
**1:38**
